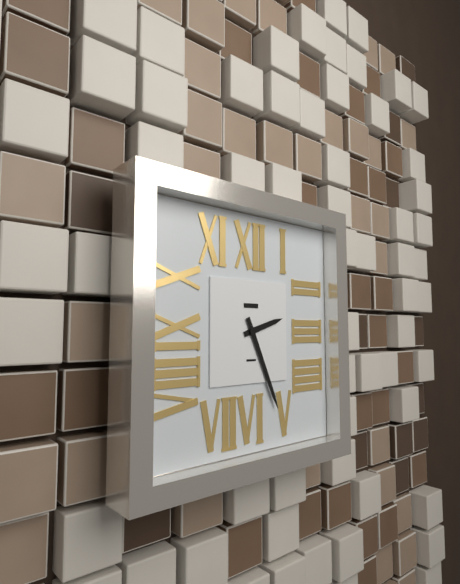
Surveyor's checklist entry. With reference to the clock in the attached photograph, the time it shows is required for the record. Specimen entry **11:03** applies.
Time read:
**2:26**
